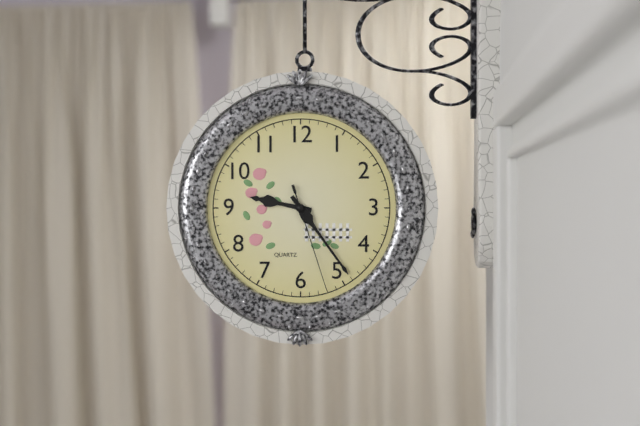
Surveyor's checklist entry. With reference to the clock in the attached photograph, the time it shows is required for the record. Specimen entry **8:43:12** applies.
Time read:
**9:24:27**
